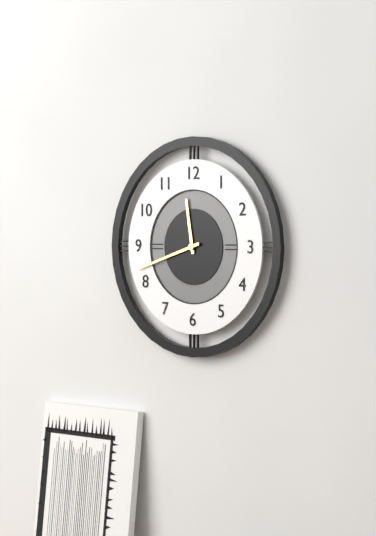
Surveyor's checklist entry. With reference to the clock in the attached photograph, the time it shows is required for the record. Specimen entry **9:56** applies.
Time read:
**11:42**
